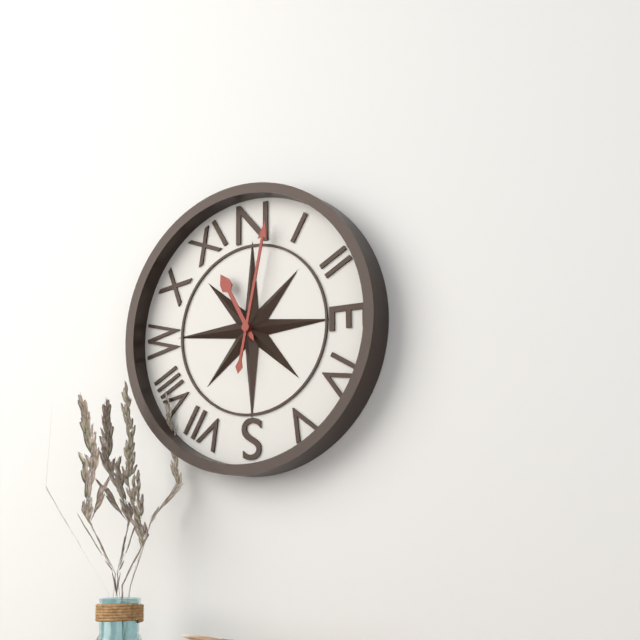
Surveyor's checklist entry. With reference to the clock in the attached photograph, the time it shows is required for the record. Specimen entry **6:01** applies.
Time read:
**11:02**
